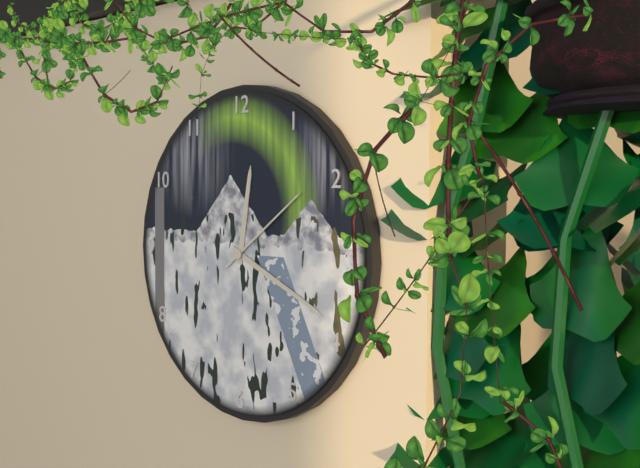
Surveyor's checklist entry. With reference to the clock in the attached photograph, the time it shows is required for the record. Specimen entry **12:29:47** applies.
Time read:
**12:19:09**
